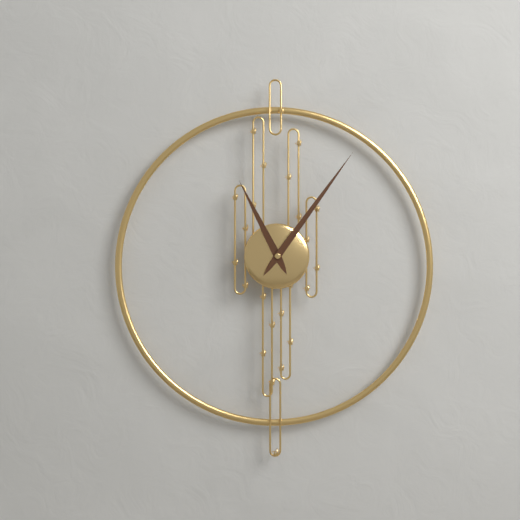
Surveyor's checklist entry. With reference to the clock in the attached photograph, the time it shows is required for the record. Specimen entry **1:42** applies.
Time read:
**11:06**
